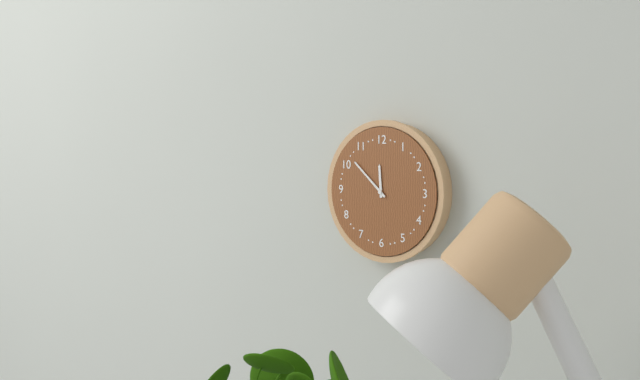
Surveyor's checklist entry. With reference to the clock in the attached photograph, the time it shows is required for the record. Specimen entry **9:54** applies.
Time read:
**11:52**
